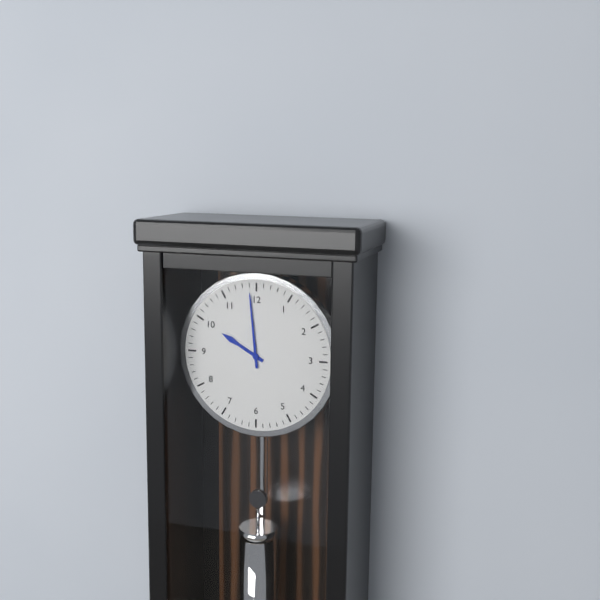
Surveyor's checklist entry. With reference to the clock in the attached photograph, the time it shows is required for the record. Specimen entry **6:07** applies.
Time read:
**9:59**
